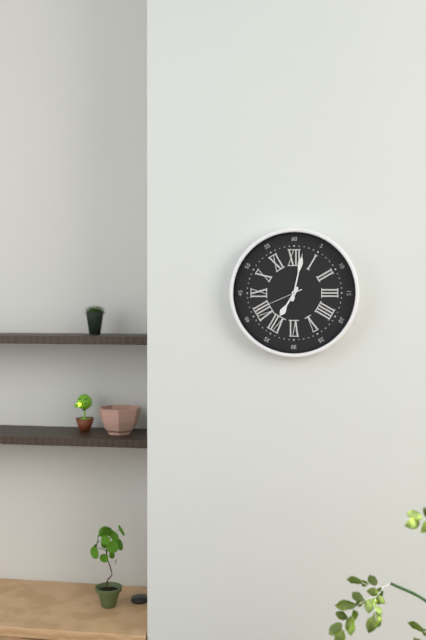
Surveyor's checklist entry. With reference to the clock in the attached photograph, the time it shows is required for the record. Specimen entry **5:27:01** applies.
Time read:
**7:02:41**
